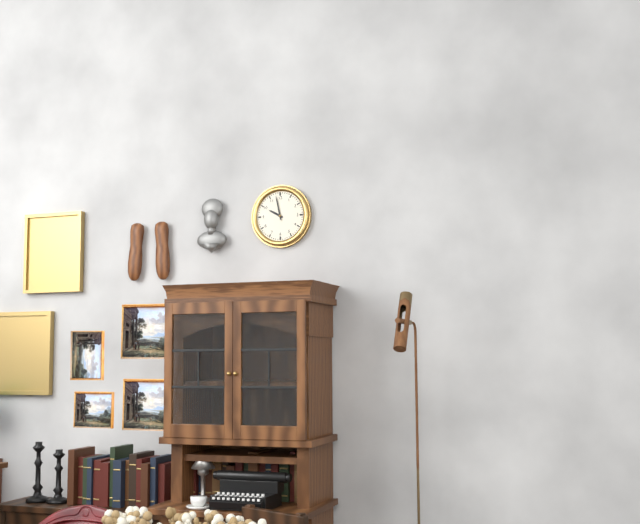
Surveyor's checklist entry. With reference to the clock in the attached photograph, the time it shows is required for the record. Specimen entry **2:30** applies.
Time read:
**9:58**
